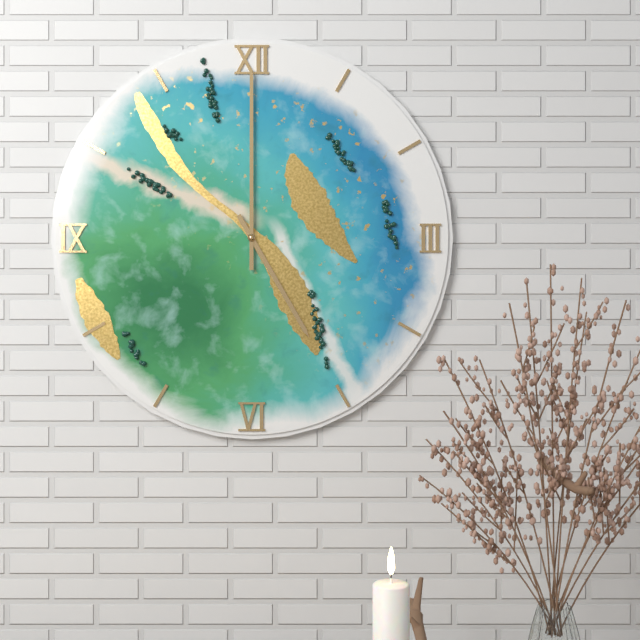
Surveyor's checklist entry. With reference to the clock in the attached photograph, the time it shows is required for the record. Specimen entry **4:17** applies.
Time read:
**5:00**
